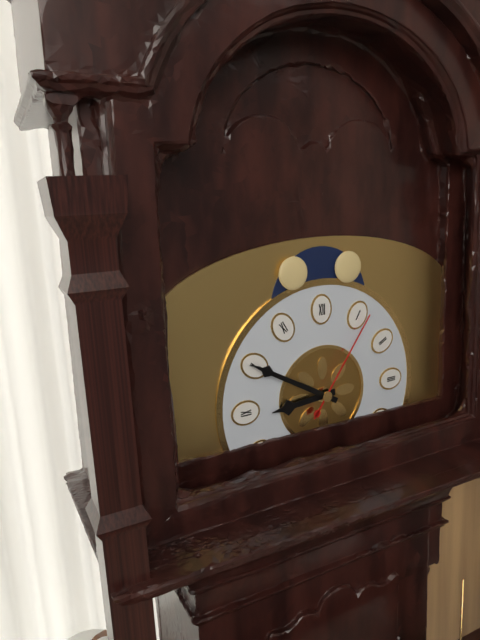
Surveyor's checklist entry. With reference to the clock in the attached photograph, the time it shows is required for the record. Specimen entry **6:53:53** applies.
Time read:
**8:50:06**
